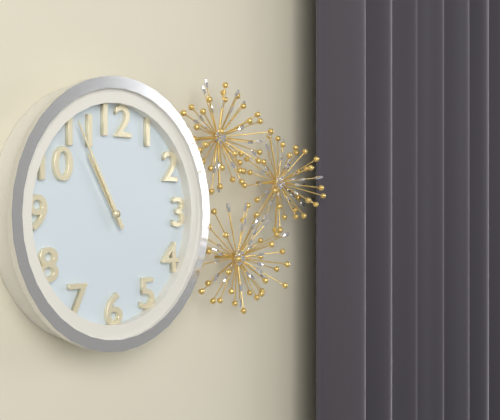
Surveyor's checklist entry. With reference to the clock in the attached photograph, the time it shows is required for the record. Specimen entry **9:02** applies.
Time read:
**10:55**
